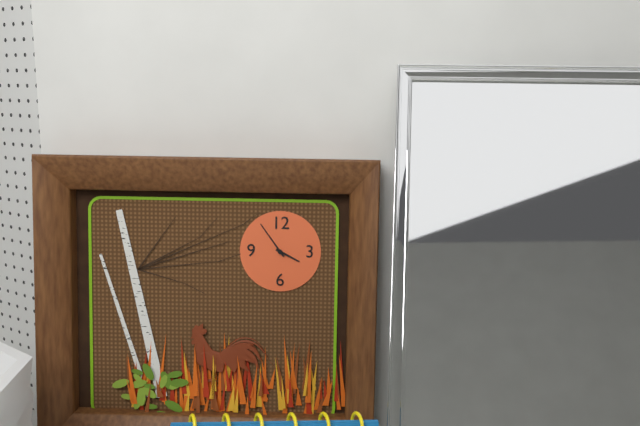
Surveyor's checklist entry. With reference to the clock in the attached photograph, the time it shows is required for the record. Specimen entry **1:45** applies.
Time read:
**3:54**
